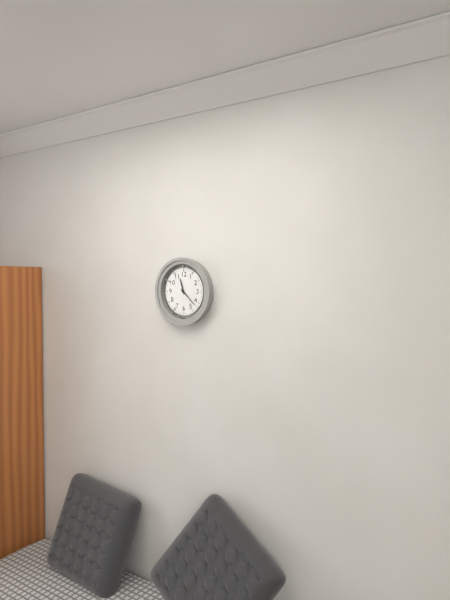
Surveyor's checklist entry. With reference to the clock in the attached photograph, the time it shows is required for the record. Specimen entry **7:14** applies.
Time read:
**11:22**
